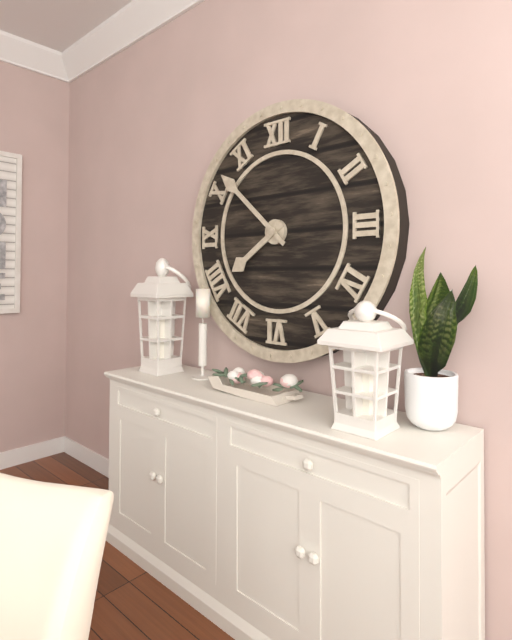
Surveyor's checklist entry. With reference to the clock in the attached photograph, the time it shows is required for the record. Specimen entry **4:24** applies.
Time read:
**7:52**
